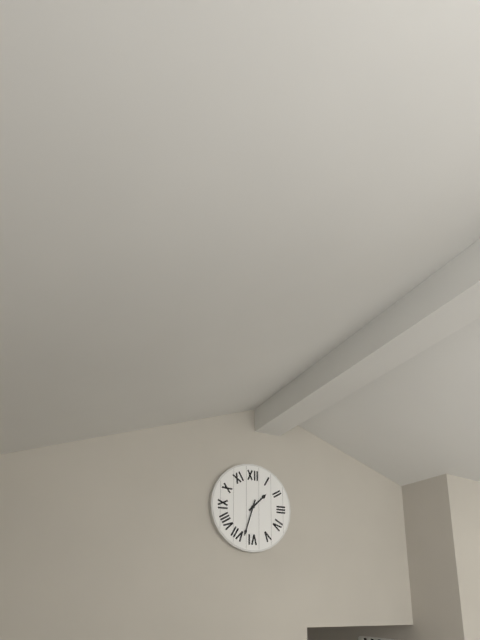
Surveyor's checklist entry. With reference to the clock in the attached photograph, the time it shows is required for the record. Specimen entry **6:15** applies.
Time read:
**1:33**
